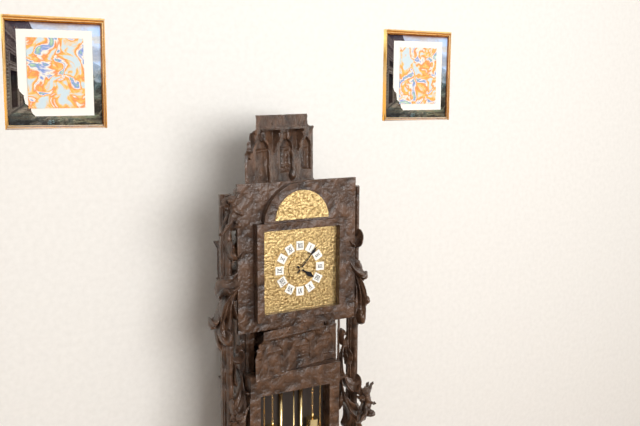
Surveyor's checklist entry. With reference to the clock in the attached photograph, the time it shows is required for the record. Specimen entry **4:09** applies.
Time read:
**4:07**
